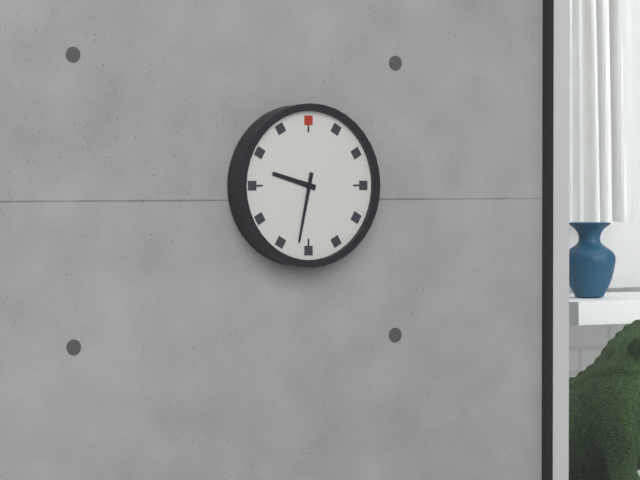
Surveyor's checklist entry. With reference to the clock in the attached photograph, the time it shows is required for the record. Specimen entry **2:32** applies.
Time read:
**9:32**
